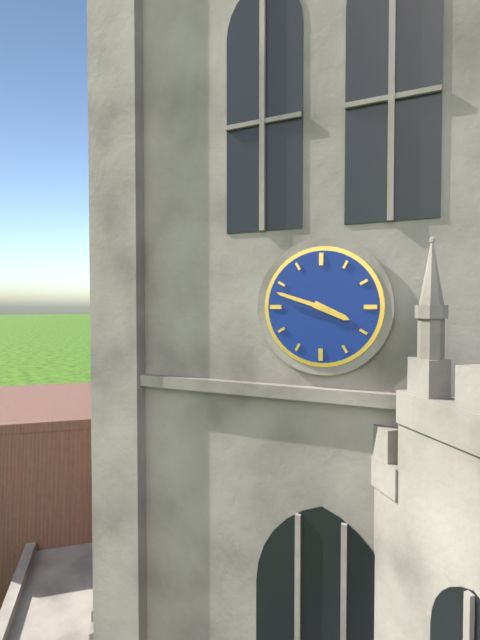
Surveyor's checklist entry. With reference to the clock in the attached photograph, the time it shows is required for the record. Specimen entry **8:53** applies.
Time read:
**3:48**
